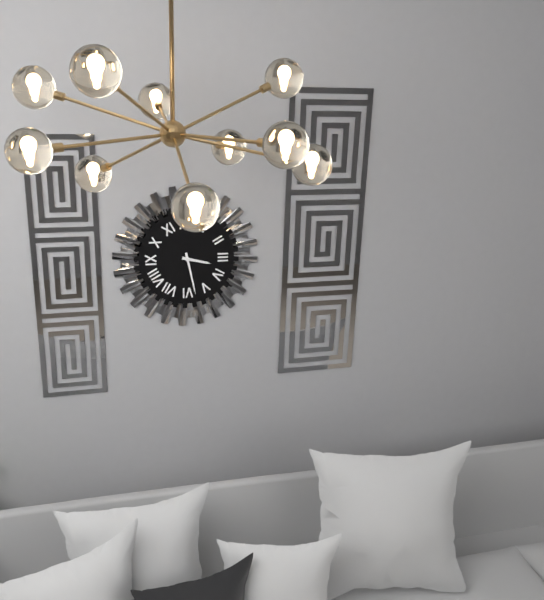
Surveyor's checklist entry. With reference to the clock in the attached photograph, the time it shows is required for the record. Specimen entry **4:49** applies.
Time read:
**3:28**
